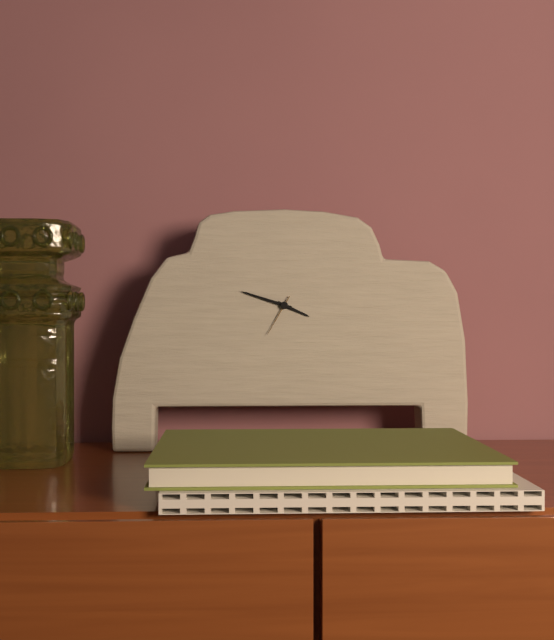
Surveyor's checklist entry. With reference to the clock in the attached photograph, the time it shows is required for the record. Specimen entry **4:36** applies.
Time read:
**3:48**
